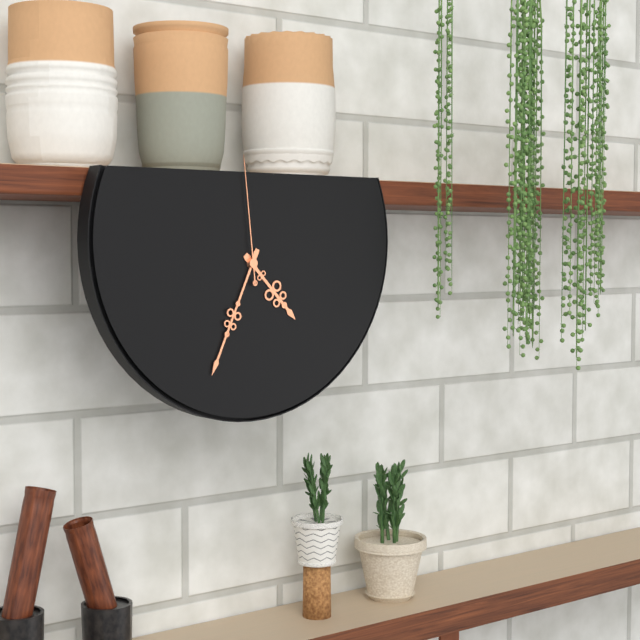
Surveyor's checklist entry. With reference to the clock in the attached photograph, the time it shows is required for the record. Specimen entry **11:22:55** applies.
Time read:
**4:34:59**
